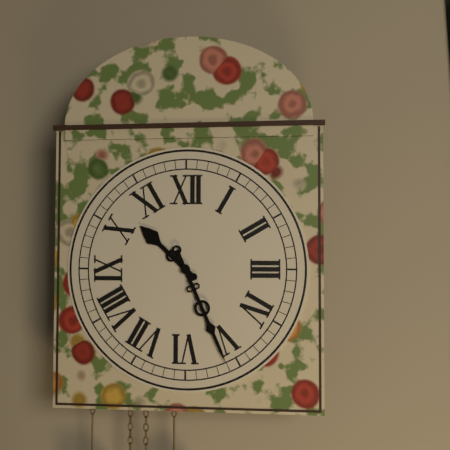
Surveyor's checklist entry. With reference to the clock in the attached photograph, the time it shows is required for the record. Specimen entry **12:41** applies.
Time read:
**10:26**
